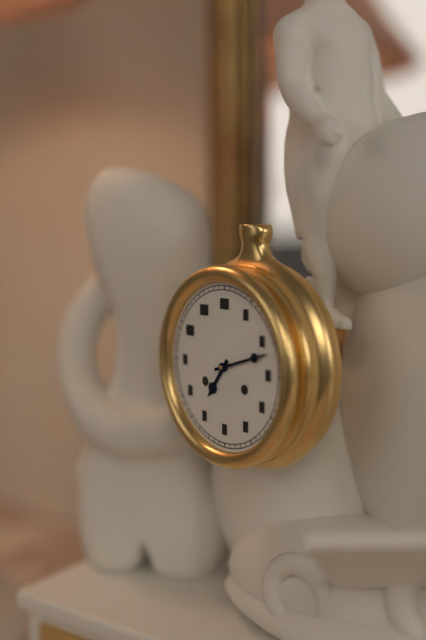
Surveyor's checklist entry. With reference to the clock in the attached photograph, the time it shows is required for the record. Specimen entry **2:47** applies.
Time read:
**7:12**
